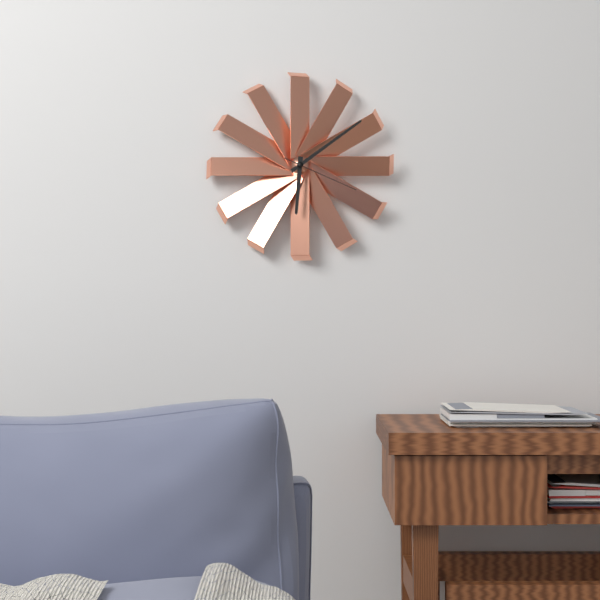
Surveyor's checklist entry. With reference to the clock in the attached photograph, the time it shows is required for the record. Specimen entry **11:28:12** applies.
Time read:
**6:09:19**
